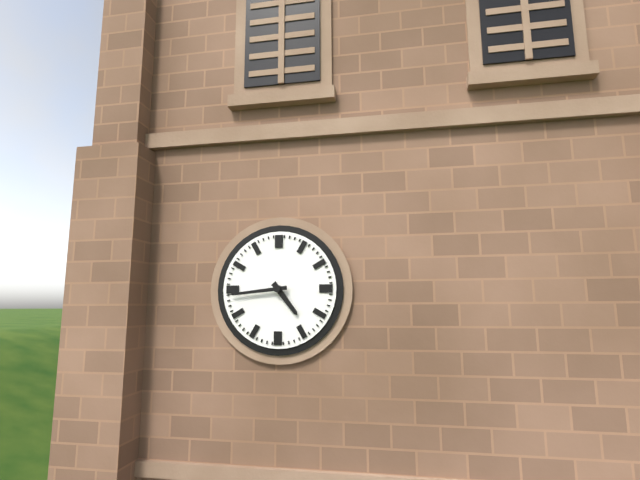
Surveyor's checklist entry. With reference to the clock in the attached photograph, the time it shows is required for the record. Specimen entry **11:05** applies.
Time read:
**4:44**
